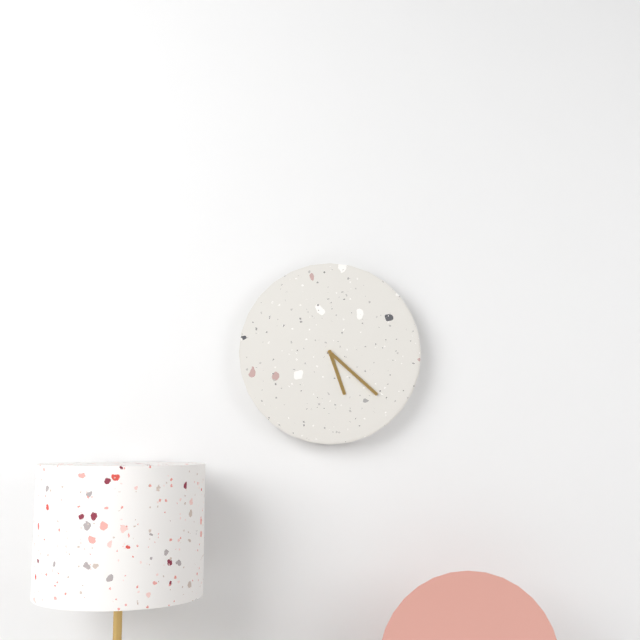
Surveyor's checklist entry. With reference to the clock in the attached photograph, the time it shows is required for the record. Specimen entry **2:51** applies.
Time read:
**5:22**
